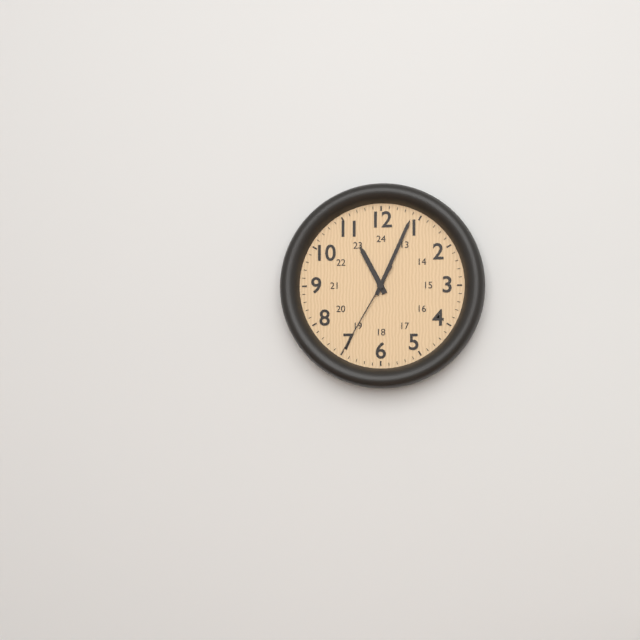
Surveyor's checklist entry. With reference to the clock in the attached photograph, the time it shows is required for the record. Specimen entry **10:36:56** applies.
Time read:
**11:04:35**
